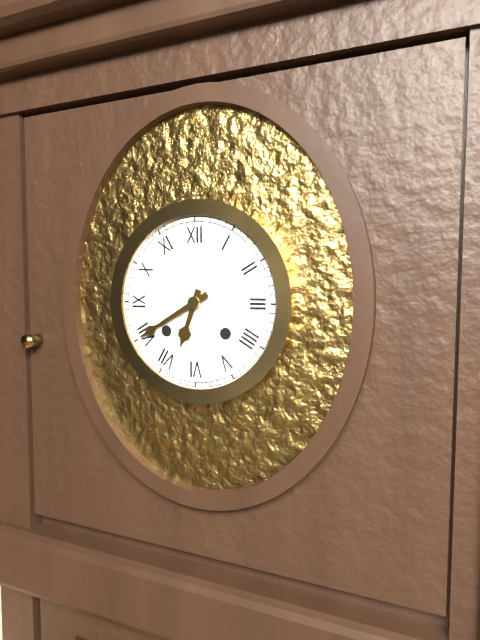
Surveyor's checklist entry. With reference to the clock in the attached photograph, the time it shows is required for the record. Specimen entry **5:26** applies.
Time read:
**6:40**
